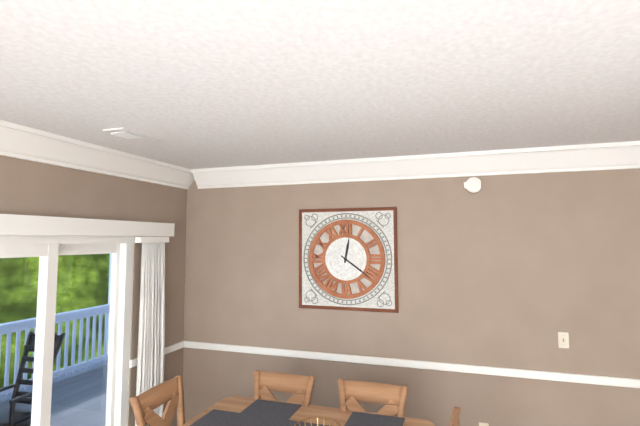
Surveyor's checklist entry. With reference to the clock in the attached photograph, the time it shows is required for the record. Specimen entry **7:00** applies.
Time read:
**12:21**
